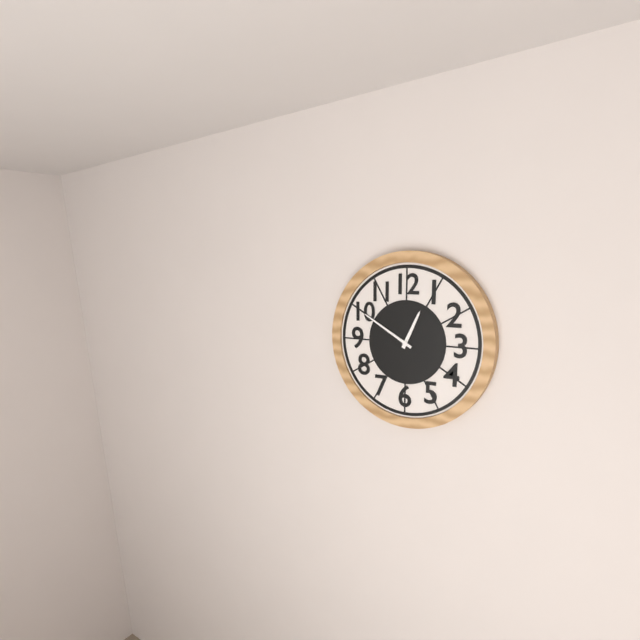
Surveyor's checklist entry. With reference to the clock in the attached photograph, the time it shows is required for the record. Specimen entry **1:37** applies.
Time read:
**12:50**
